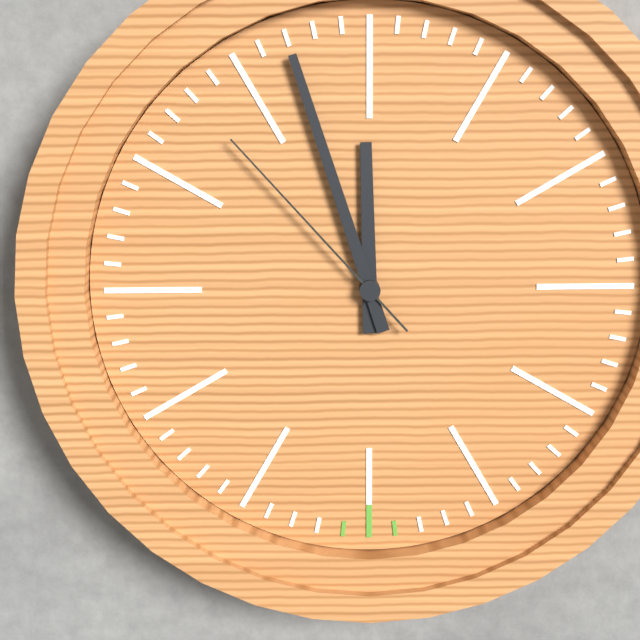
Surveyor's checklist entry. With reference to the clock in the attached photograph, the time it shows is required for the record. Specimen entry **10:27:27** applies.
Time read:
**11:57:53**
